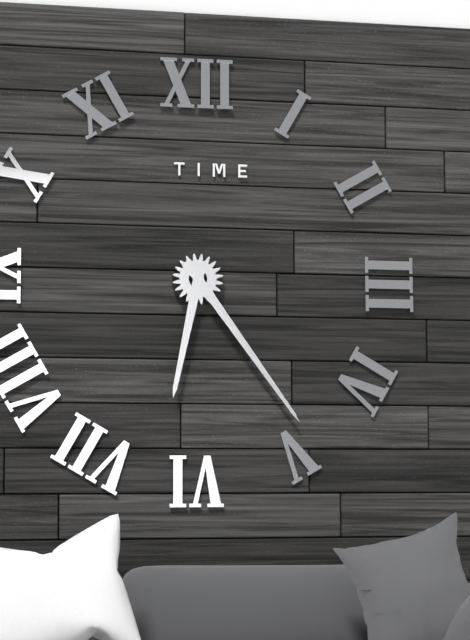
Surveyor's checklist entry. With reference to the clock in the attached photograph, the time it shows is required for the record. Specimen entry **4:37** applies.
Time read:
**6:24**
